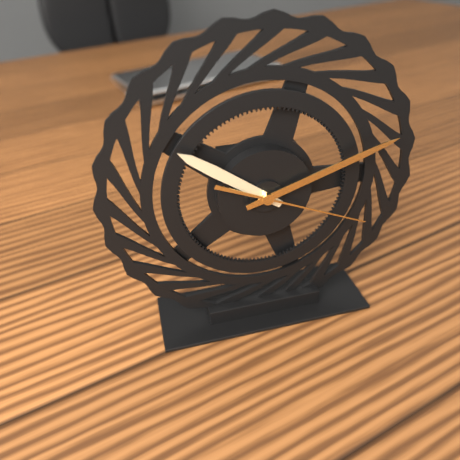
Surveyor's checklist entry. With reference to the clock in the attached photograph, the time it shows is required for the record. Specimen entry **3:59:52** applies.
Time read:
**10:12:19**
